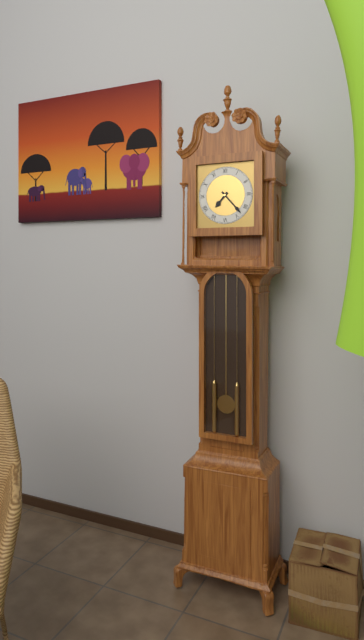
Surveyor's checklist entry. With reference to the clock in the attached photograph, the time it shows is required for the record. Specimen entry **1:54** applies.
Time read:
**7:23**
